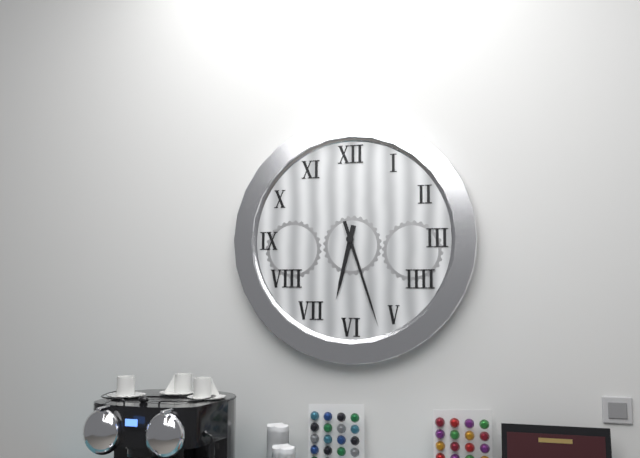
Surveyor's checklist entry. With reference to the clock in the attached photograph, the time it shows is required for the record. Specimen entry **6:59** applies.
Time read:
**6:27**
